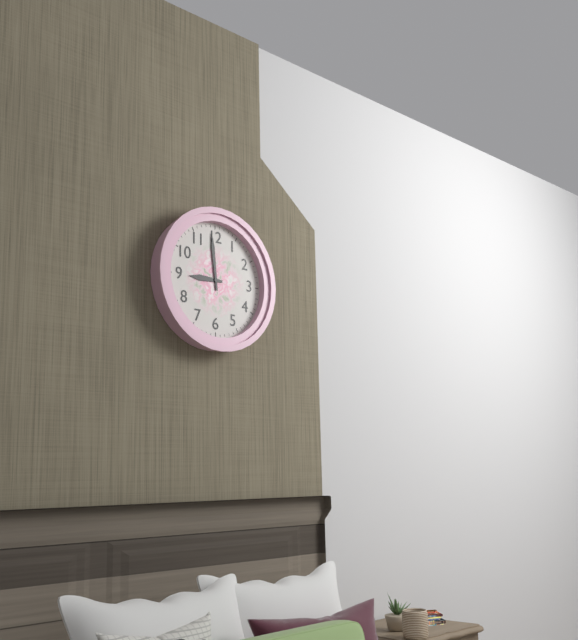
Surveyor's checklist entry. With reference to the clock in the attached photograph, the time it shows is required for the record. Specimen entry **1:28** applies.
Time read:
**8:59**
